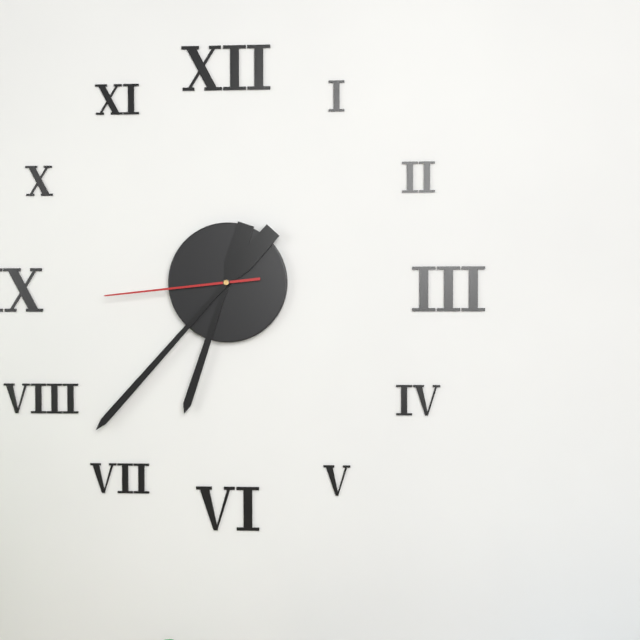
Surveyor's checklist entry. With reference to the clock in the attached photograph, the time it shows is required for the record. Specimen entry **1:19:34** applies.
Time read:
**6:37:44**
